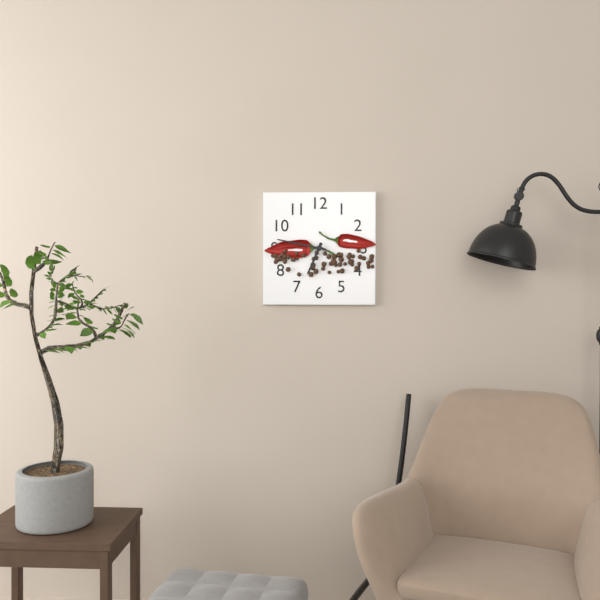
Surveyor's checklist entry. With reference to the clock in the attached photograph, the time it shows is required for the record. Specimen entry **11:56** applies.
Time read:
**6:47**
